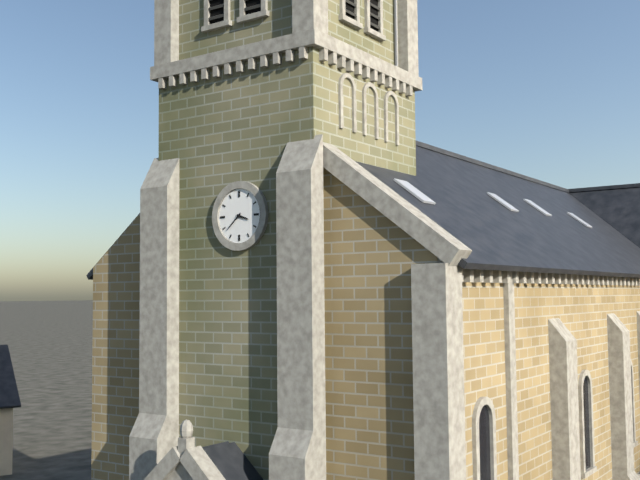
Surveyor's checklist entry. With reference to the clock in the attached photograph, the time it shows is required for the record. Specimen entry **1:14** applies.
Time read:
**3:38**
